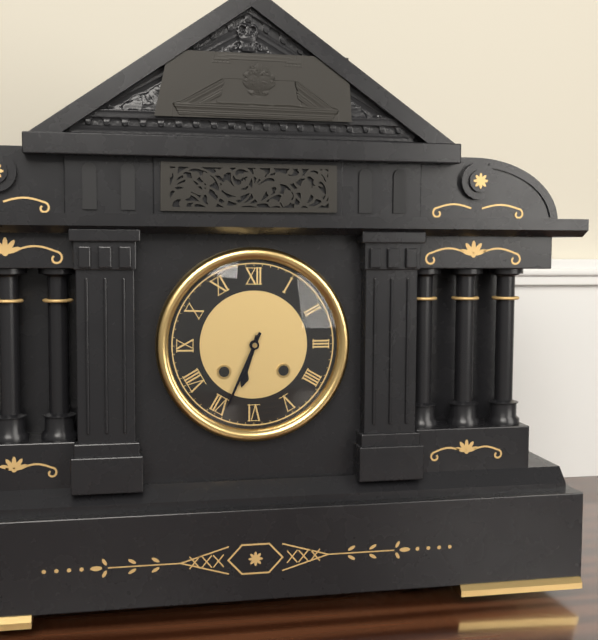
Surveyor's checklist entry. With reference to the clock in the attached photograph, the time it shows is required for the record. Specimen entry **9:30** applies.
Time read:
**6:34**
